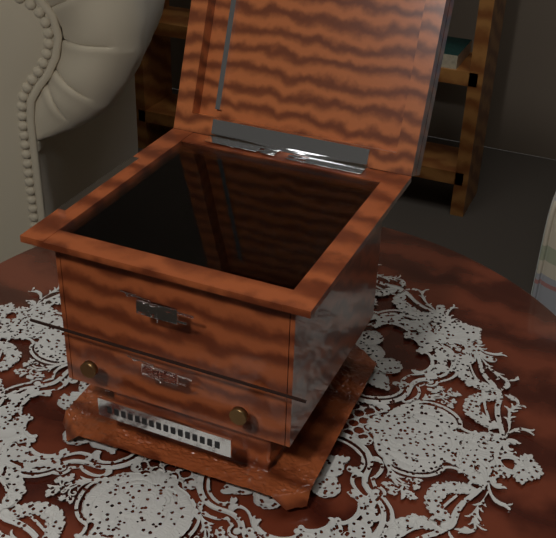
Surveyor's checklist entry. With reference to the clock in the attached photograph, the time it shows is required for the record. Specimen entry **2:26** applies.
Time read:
**11:05**
